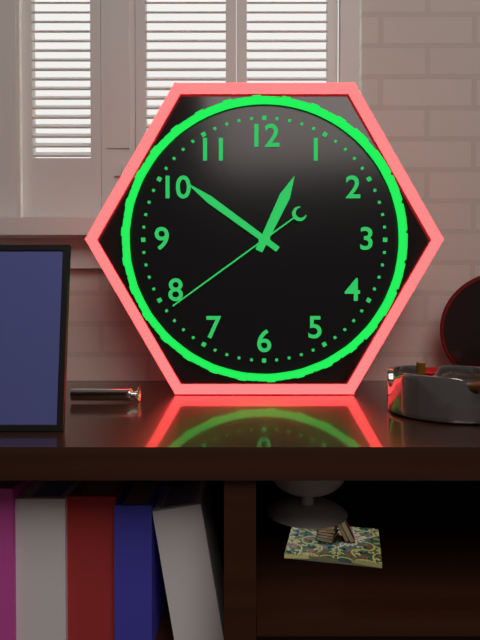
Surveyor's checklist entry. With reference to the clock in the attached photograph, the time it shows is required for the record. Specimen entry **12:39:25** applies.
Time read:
**12:51:39**
